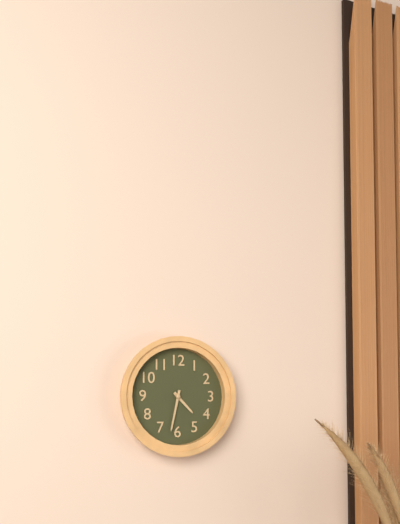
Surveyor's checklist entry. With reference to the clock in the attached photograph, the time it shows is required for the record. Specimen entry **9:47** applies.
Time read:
**4:32**
